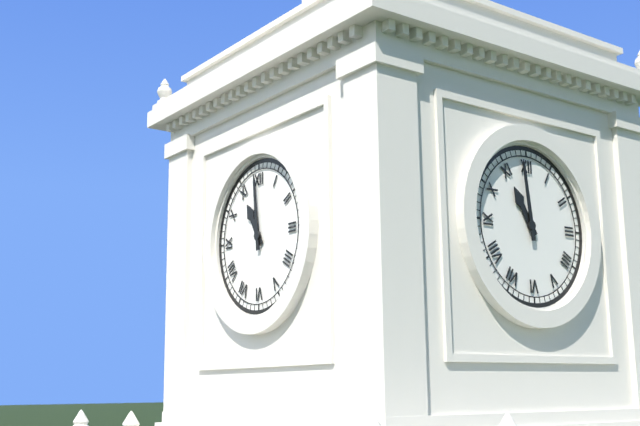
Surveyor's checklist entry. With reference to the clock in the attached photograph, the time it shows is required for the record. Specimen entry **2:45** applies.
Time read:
**10:59**
